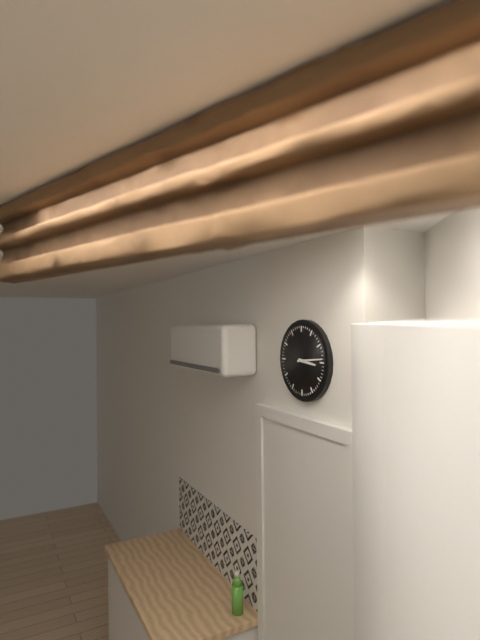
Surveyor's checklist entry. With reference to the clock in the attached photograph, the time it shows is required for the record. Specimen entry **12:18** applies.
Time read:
**3:14**
